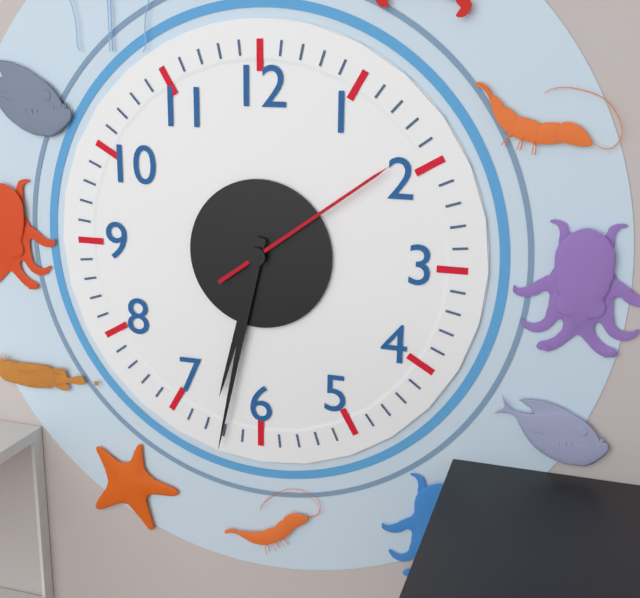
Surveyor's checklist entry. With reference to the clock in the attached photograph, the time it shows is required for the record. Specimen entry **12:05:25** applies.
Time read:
**6:32:09**
